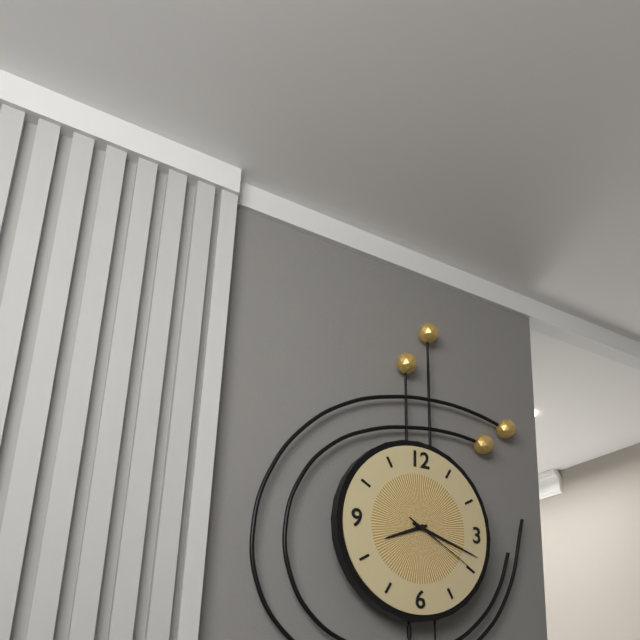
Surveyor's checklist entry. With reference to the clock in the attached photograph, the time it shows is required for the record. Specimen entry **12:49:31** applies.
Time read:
**8:18:20**
